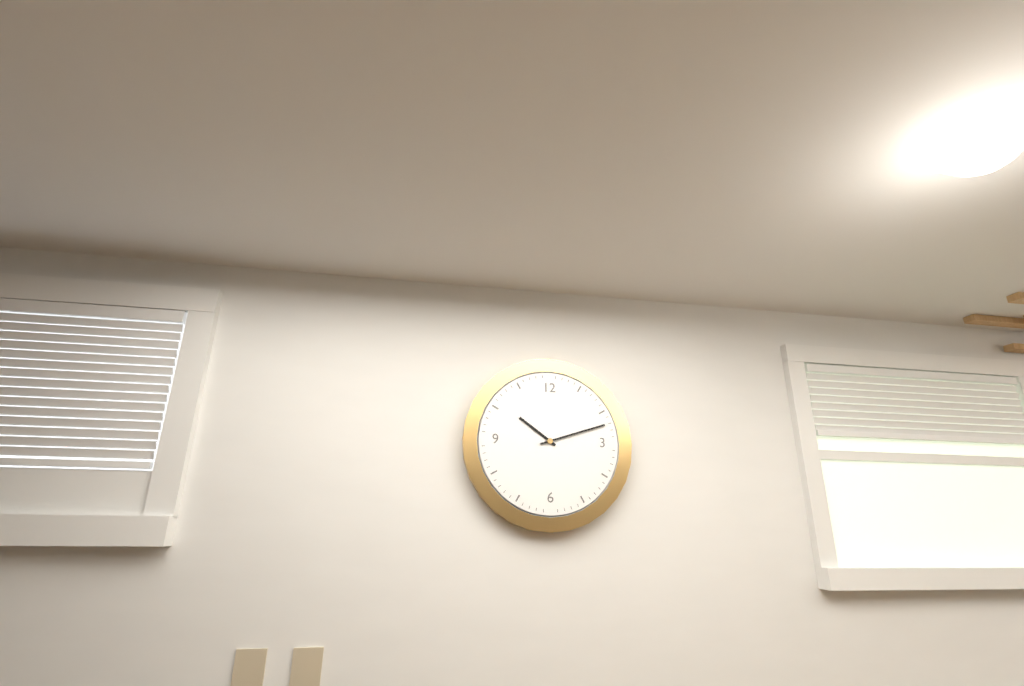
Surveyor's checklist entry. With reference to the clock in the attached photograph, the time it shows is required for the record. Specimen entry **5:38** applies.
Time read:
**10:12**
